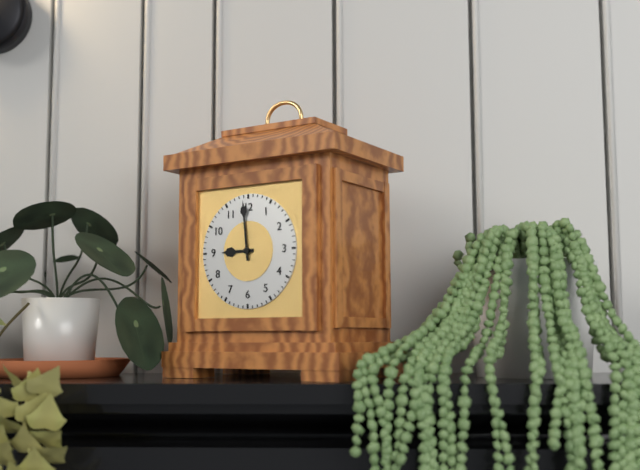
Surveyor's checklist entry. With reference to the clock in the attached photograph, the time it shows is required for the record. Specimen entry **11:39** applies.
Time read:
**8:59**
